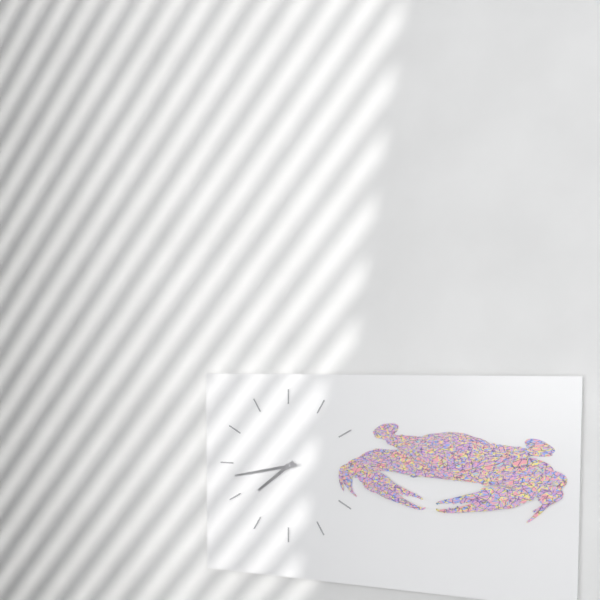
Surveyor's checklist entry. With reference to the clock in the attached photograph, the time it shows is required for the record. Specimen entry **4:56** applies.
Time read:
**7:43**
